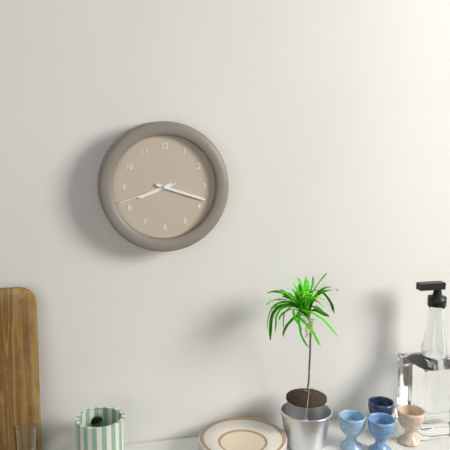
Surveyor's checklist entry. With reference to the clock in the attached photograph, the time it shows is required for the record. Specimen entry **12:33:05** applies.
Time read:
**8:18:42**
